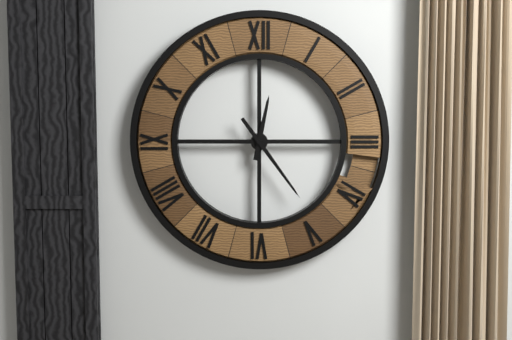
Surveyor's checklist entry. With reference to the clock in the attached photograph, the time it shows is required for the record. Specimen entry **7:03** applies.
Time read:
**12:24**
